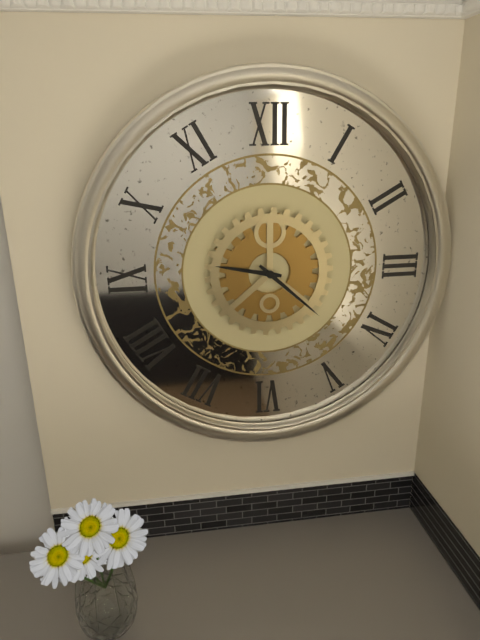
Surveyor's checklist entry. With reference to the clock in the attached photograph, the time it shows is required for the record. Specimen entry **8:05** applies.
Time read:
**9:22**
